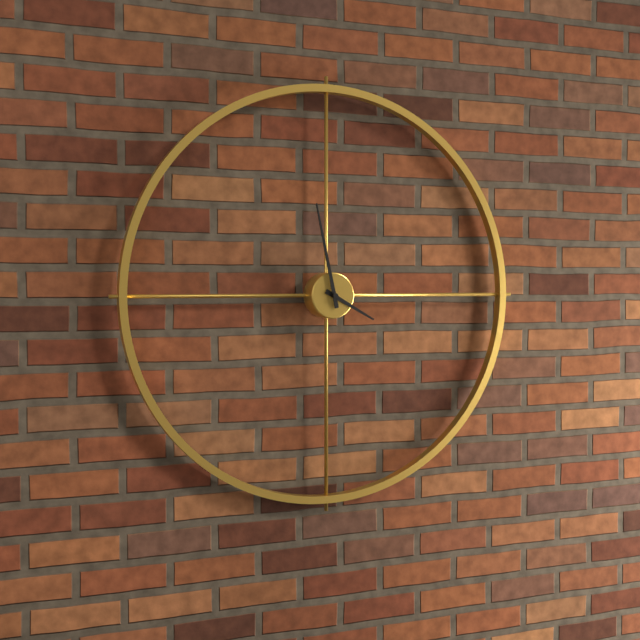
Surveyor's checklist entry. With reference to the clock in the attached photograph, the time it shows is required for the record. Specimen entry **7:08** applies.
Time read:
**3:58**
